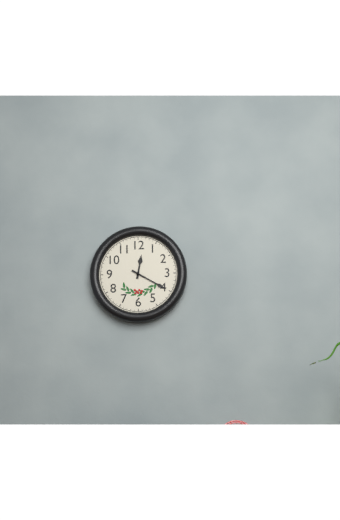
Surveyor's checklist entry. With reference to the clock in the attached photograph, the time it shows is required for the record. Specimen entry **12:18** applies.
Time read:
**12:20**
